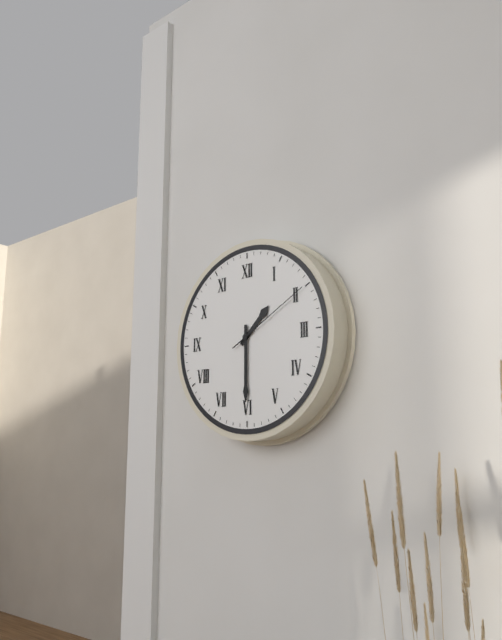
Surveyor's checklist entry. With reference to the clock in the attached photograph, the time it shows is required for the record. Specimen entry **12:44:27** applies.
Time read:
**1:30:10**
